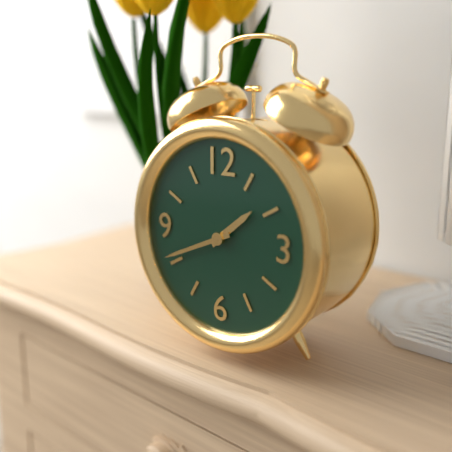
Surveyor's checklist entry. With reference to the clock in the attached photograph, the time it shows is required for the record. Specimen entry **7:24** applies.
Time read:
**1:41**
